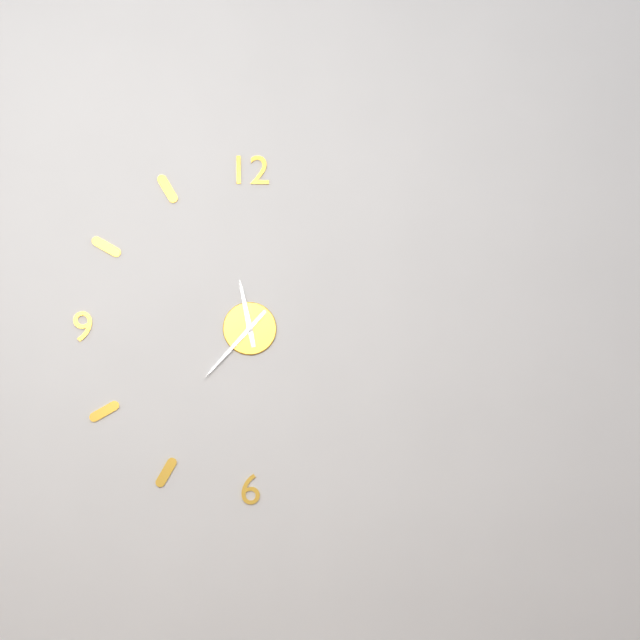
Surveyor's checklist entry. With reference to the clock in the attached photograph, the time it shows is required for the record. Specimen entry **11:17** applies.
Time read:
**11:37**
